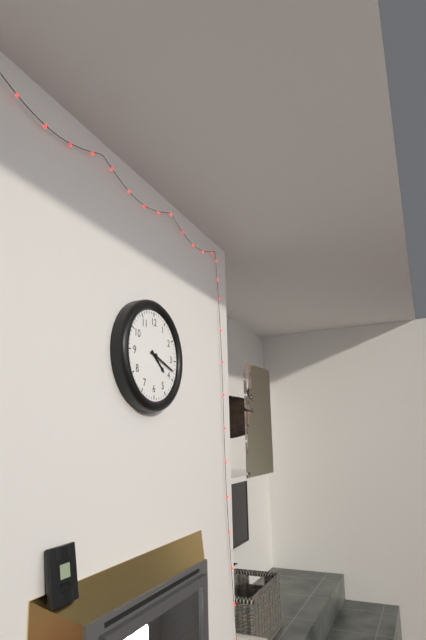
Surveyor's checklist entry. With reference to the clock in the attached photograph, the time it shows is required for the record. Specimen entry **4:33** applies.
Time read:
**4:18**
